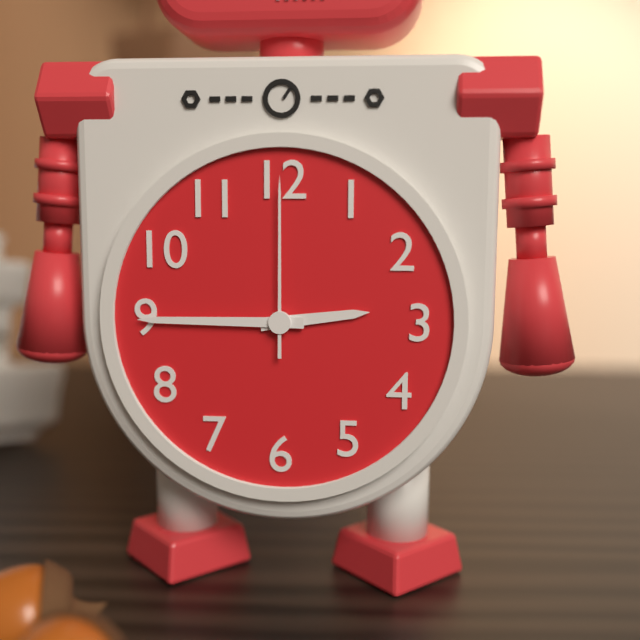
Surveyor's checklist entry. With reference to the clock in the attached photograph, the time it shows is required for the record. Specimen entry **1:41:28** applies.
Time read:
**2:45:00**
